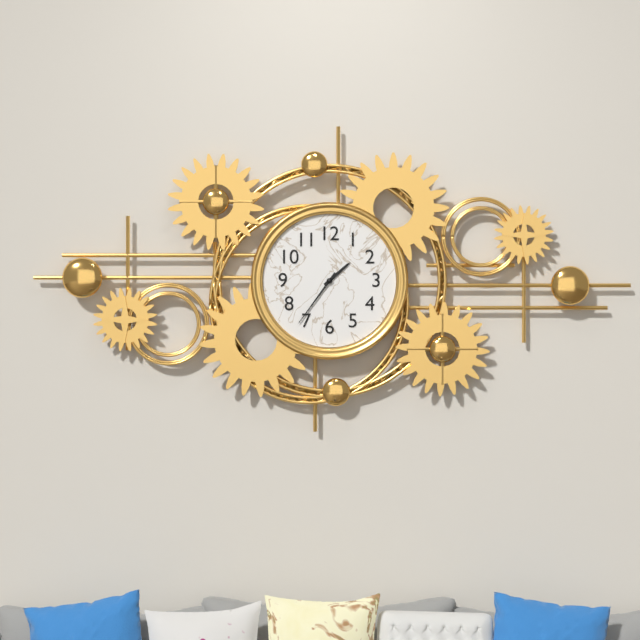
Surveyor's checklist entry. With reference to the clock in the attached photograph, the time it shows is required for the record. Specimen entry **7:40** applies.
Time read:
**1:36**
